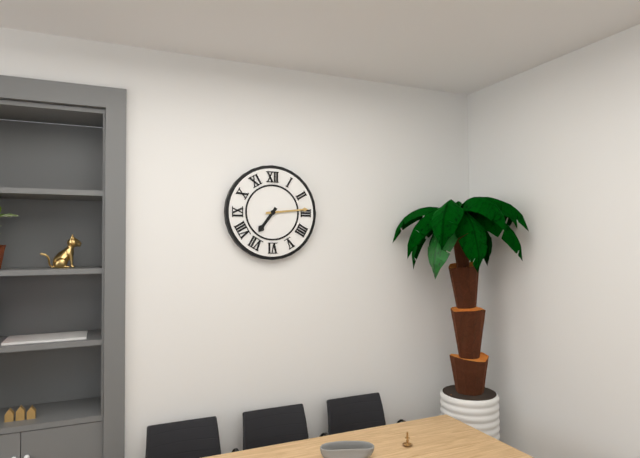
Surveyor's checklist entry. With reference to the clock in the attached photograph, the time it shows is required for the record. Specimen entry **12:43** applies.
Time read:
**7:14**
